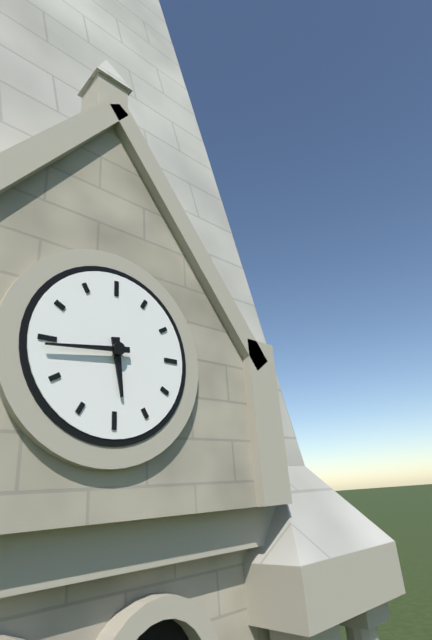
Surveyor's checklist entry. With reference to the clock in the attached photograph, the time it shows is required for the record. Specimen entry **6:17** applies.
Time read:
**5:44**
